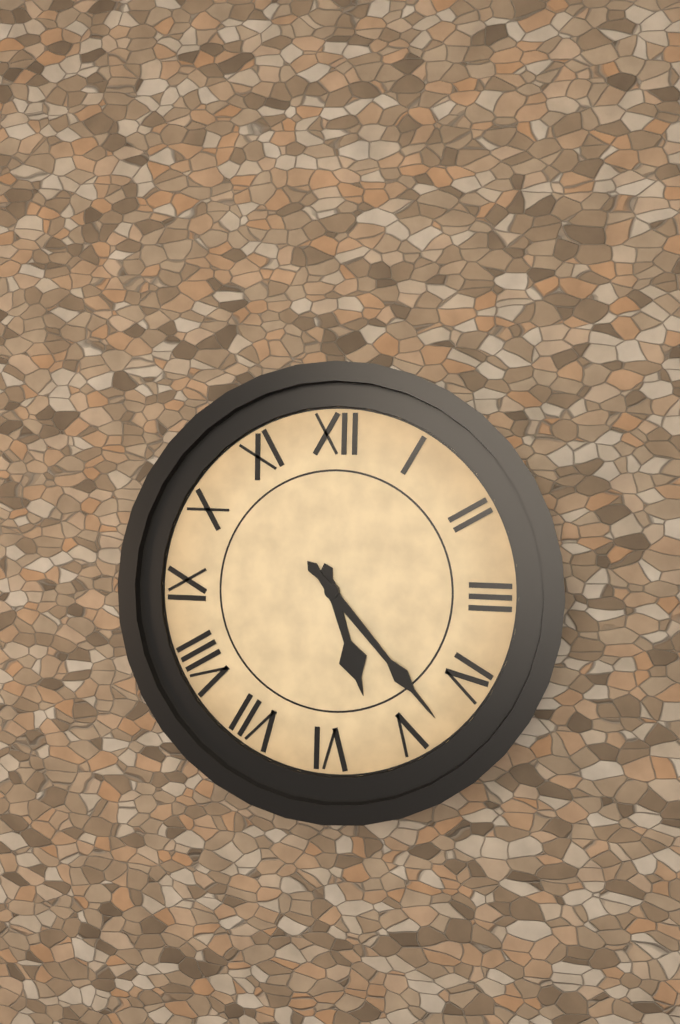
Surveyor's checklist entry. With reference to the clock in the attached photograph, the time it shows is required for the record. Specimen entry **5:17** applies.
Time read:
**5:23**
